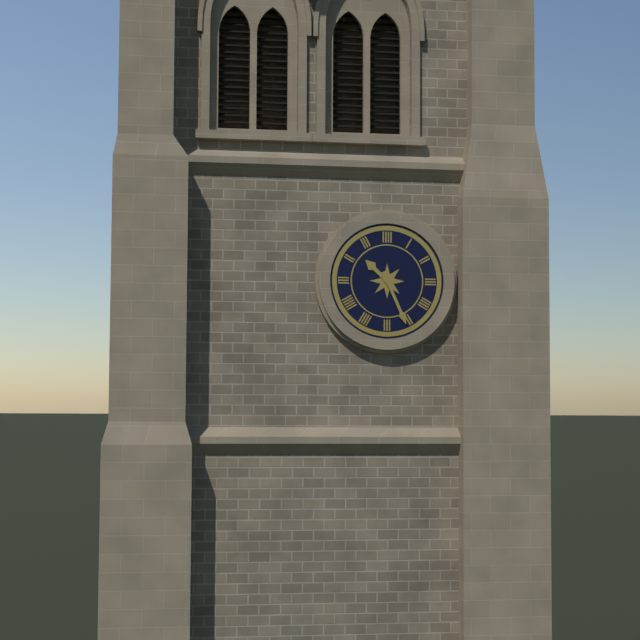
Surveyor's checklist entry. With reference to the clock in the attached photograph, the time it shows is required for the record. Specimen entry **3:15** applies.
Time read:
**10:26**
